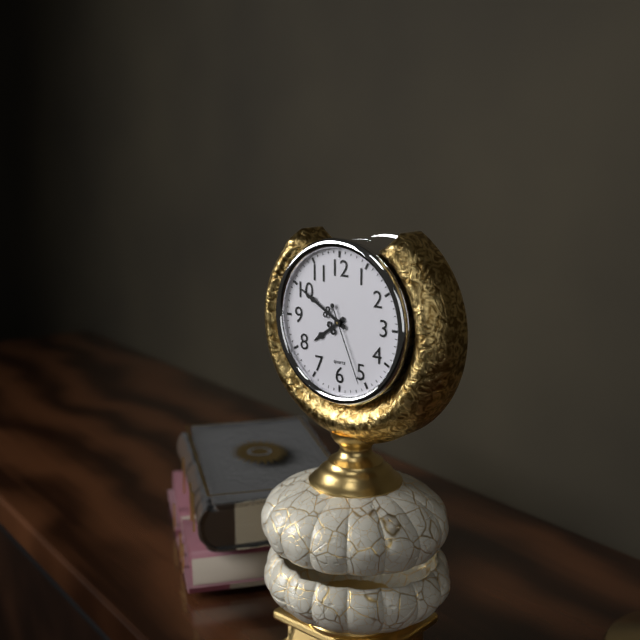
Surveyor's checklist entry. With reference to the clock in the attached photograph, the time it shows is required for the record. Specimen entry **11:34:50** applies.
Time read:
**7:50:26**
